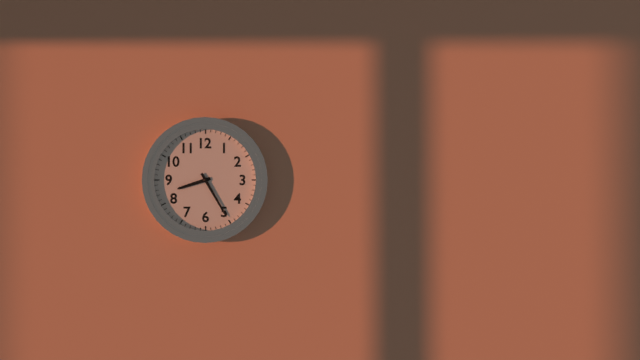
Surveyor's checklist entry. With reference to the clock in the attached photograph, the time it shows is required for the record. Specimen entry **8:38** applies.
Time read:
**8:25**
